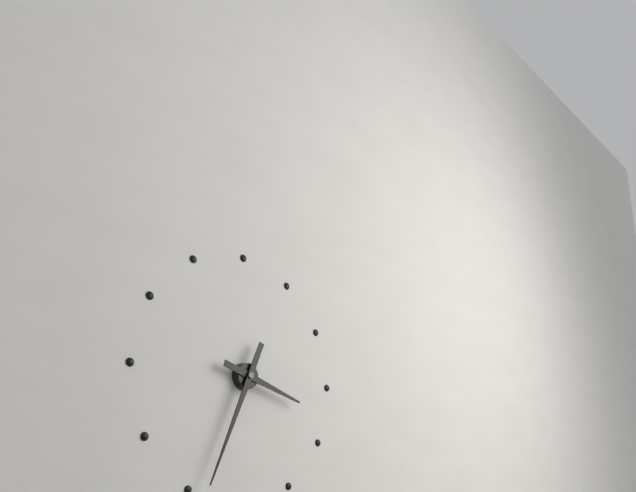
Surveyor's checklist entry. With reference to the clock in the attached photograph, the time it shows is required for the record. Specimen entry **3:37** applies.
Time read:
**3:34**
